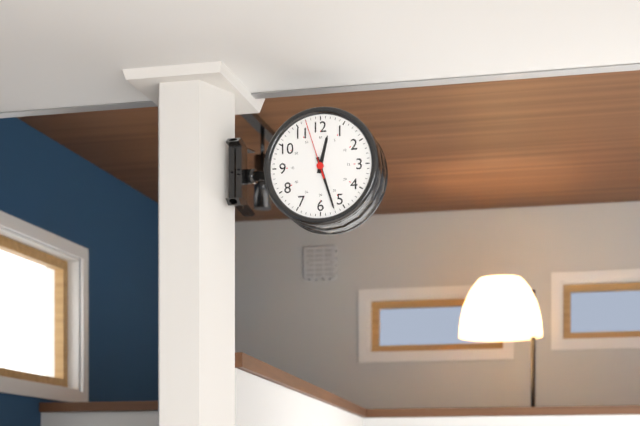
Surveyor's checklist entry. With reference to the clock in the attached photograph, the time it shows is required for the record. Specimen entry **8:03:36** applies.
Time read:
**12:27:57**
